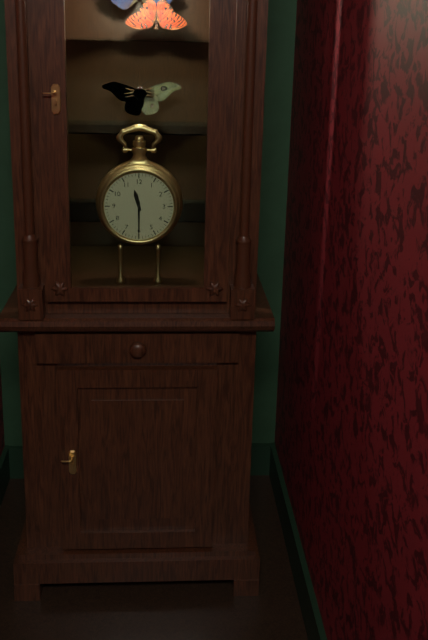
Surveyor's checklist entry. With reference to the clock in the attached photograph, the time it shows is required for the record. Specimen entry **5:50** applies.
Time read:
**11:30**
